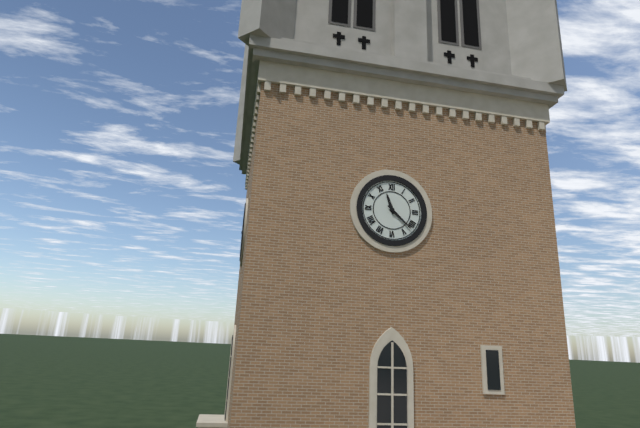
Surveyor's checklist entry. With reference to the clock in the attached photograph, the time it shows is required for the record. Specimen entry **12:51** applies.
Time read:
**11:22**
